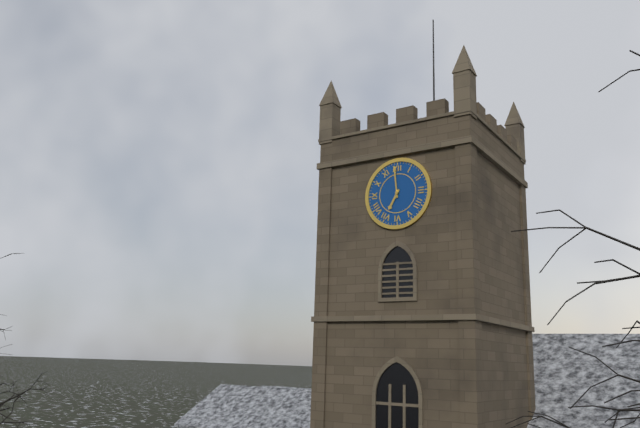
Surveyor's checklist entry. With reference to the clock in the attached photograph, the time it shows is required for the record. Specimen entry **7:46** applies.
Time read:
**6:59**
